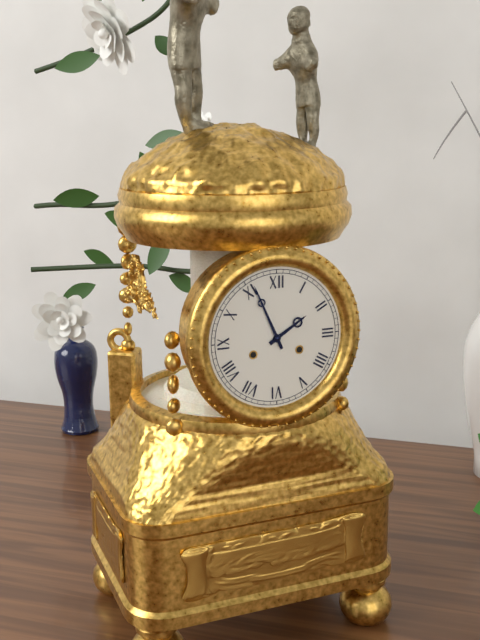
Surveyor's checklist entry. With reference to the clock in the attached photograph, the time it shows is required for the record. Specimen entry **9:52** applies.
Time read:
**1:56**
